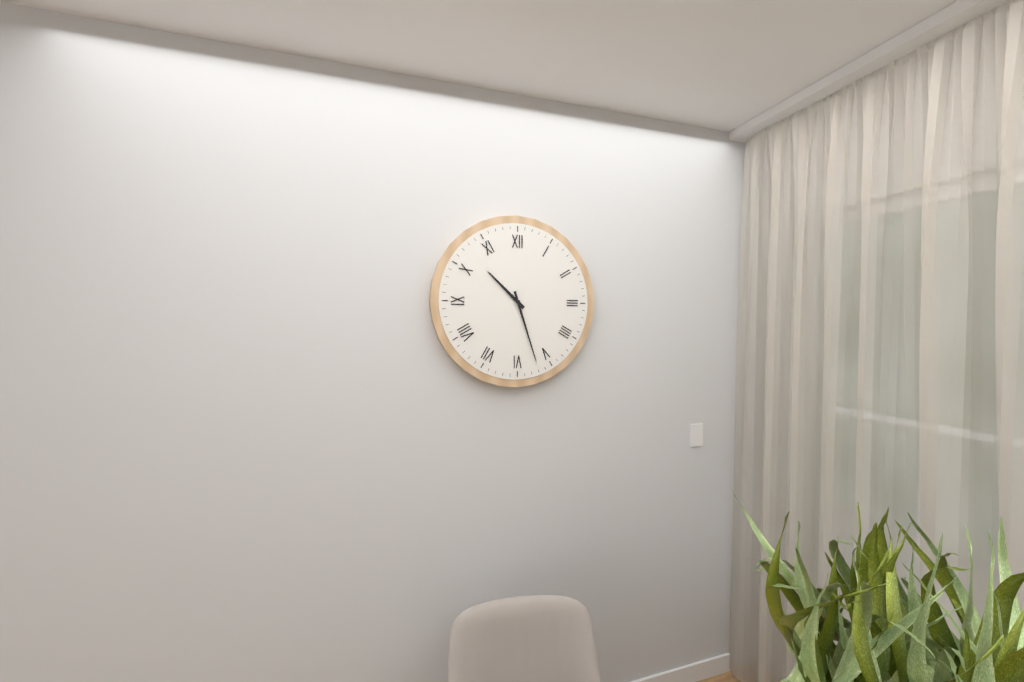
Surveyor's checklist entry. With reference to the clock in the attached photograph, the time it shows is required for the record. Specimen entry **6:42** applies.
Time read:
**10:27**
